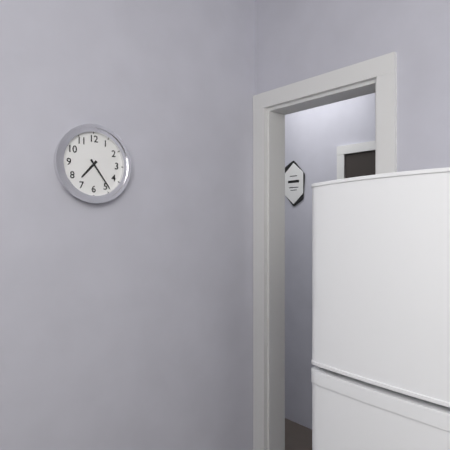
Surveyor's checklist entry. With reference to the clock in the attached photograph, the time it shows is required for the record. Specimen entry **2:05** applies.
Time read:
**7:24**
